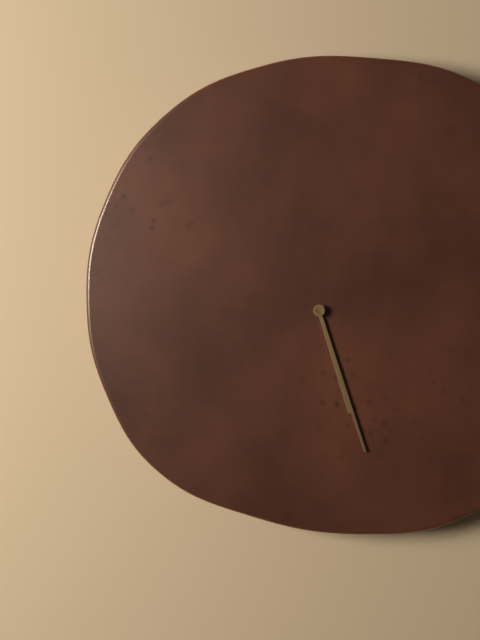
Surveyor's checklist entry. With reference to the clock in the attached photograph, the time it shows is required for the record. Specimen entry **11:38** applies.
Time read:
**5:27**
